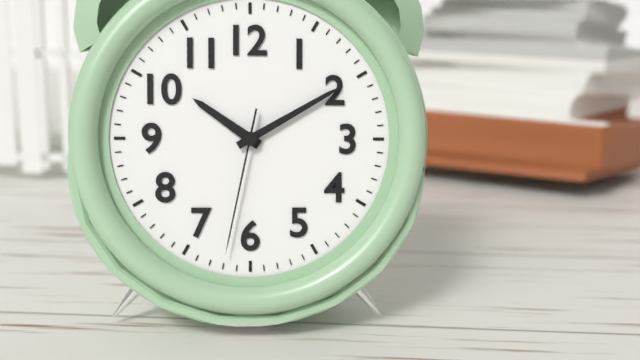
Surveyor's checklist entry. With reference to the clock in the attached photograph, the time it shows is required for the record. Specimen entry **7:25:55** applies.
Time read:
**10:10:32**
